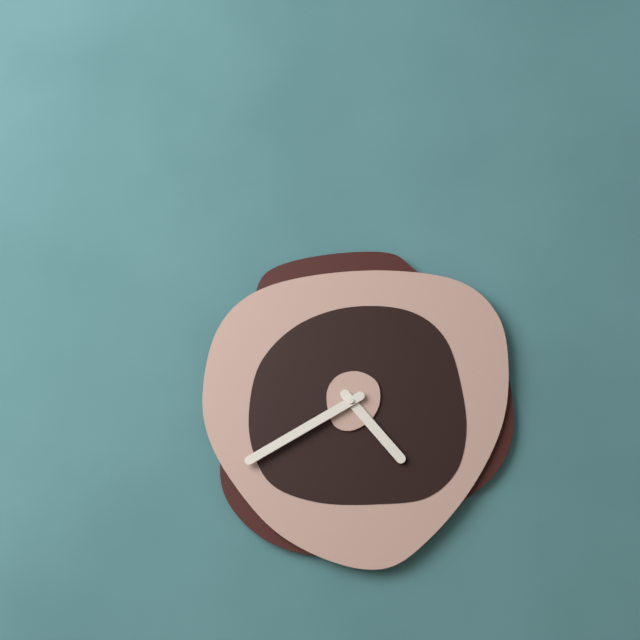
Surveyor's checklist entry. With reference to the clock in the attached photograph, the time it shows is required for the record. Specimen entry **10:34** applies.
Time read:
**4:40**
